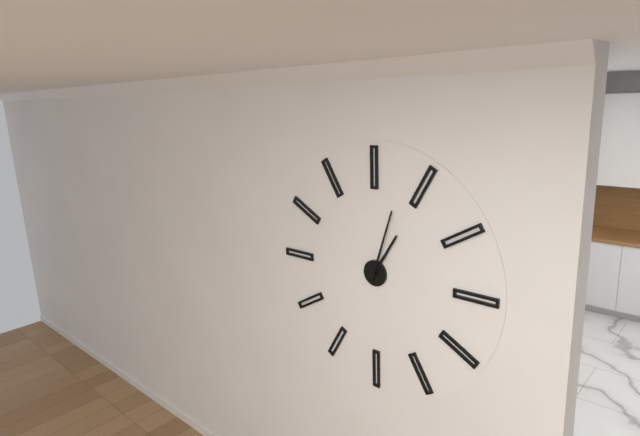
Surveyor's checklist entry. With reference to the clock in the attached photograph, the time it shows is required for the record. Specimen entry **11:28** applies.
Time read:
**1:03**
